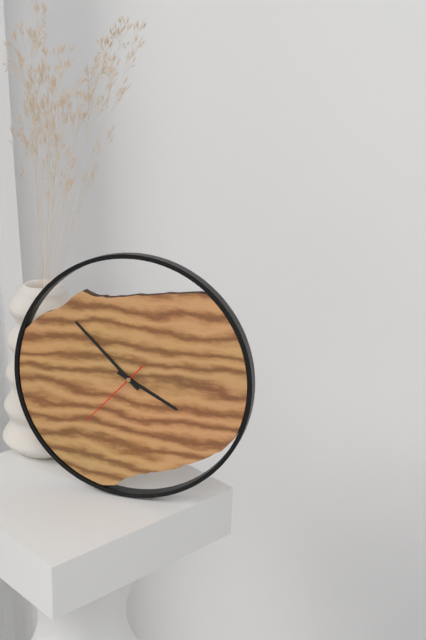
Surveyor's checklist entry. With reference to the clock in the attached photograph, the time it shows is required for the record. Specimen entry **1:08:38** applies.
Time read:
**3:52:37**
